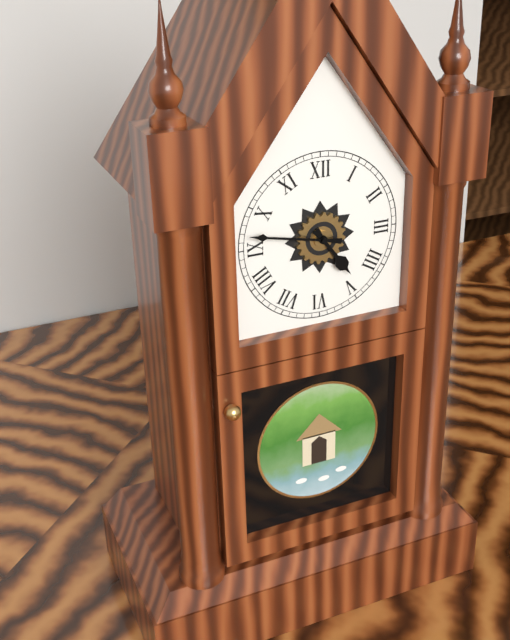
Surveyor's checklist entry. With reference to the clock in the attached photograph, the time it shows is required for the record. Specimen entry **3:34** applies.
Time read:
**4:47**
